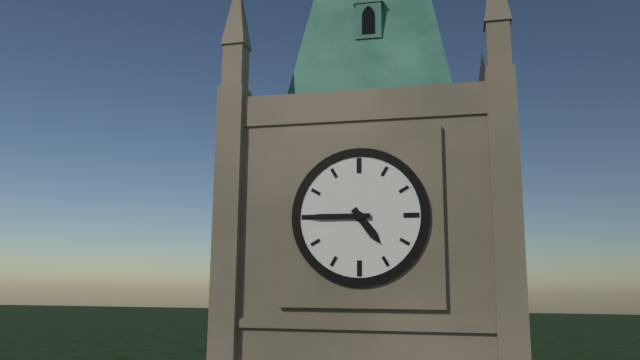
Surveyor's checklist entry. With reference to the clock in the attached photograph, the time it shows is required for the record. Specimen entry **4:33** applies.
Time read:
**4:45**
